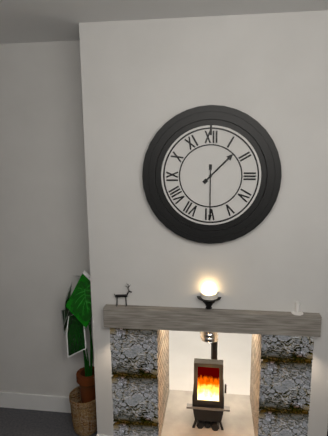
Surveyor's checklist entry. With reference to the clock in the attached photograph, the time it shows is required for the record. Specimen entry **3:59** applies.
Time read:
**1:30**
